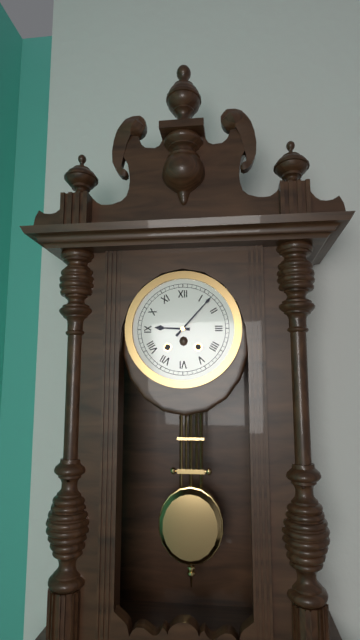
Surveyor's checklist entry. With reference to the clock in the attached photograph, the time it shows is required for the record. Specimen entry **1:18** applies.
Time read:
**9:07**
